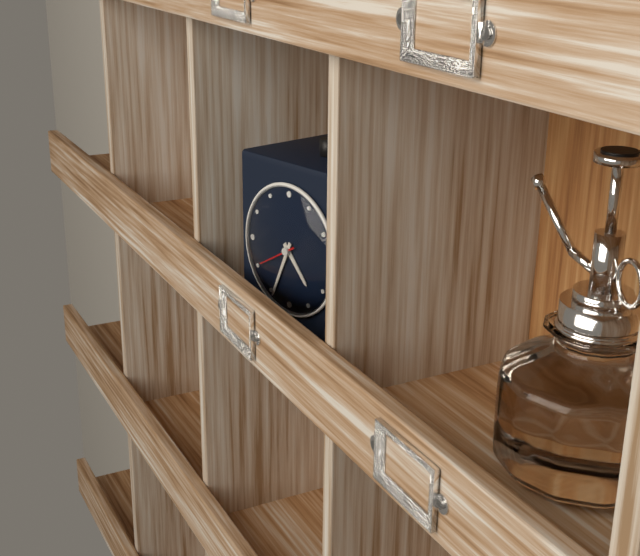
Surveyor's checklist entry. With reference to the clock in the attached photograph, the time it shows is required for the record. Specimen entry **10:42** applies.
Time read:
**4:34**
